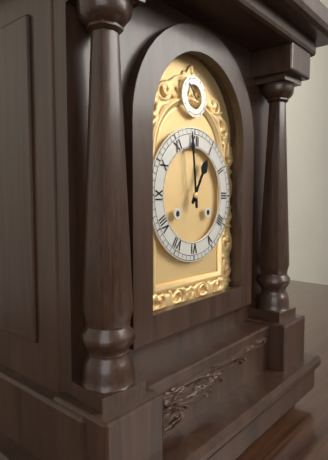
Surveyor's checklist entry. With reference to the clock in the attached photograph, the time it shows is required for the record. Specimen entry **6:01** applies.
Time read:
**12:59**
